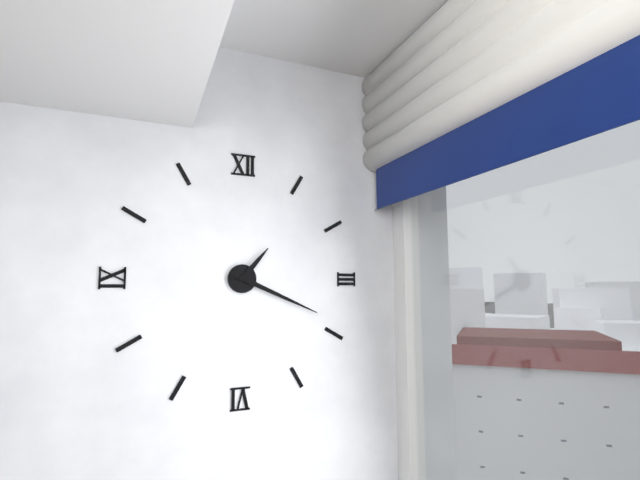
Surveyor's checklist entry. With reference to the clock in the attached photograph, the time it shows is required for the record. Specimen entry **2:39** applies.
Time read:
**1:19**
